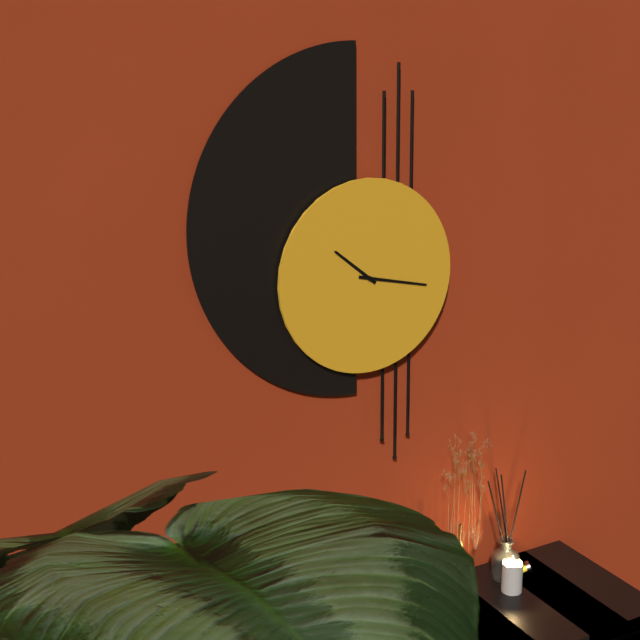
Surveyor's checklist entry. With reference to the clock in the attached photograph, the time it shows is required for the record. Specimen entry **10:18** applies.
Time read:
**10:17**
